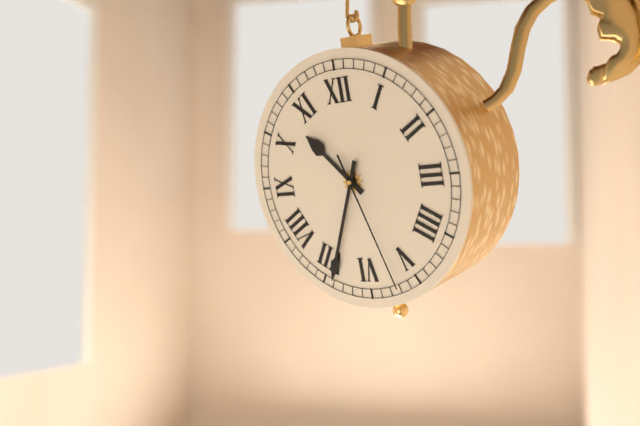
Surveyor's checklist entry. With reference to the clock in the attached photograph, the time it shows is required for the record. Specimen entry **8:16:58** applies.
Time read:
**10:34:27**
